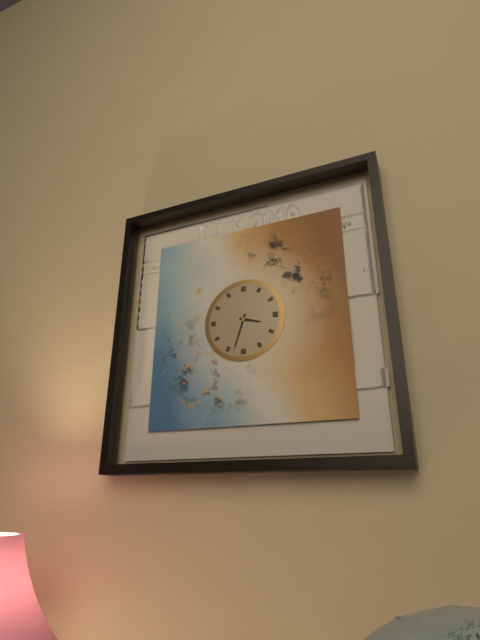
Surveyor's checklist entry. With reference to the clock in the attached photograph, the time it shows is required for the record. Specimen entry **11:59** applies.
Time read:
**3:33**
